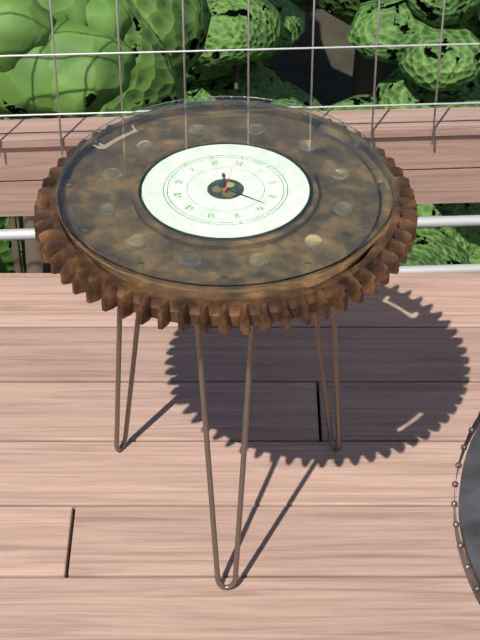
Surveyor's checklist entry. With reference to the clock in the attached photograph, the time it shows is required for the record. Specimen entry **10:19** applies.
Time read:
**11:18**
